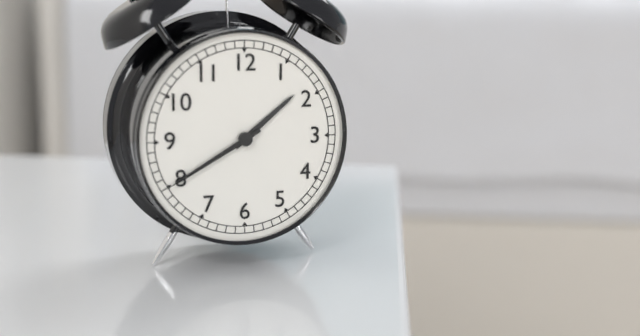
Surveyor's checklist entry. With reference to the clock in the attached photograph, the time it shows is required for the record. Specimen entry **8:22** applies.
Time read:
**1:40**
